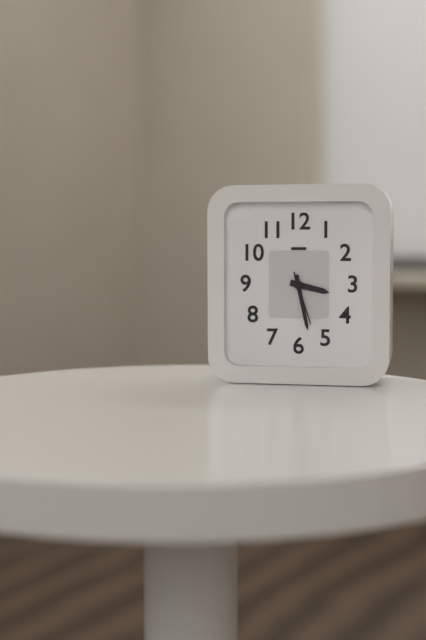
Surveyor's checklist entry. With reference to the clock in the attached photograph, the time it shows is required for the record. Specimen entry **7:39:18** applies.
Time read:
**3:28:27**
